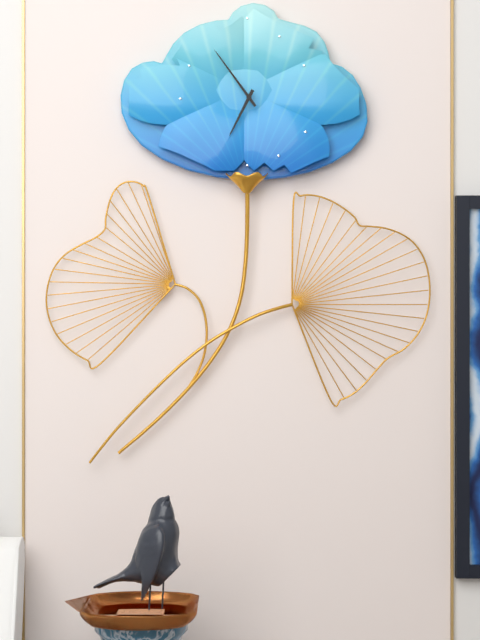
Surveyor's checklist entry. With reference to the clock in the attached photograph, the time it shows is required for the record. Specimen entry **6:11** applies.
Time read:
**6:54**
